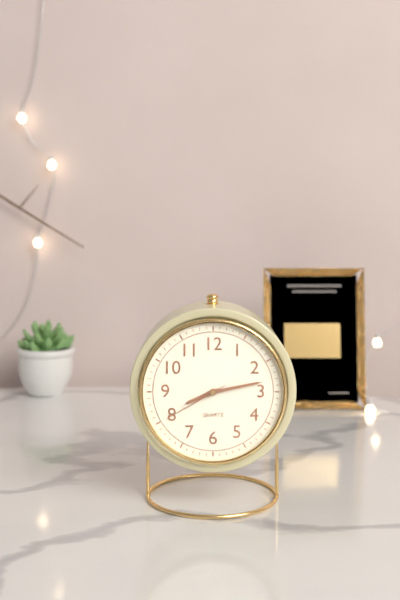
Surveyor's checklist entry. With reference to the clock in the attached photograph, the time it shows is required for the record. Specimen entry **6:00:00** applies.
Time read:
**8:13:40**
